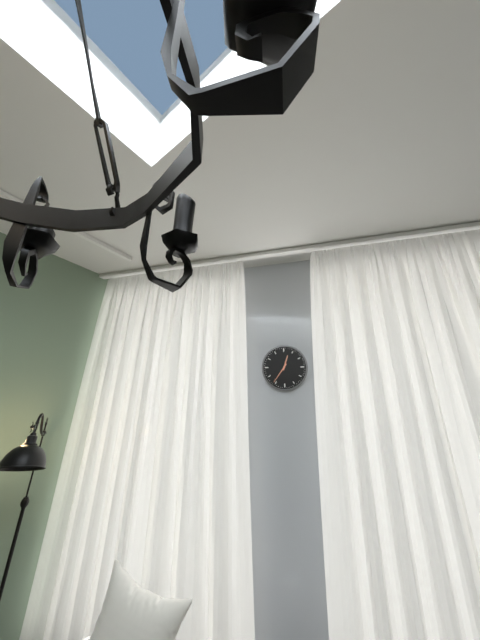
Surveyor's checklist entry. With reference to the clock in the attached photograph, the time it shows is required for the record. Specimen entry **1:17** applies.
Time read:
**12:36**
